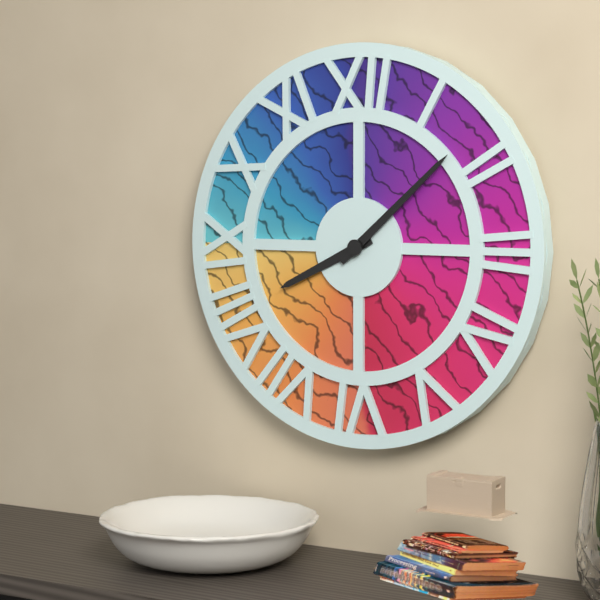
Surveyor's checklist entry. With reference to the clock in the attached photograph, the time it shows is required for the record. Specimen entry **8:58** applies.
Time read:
**8:08**
